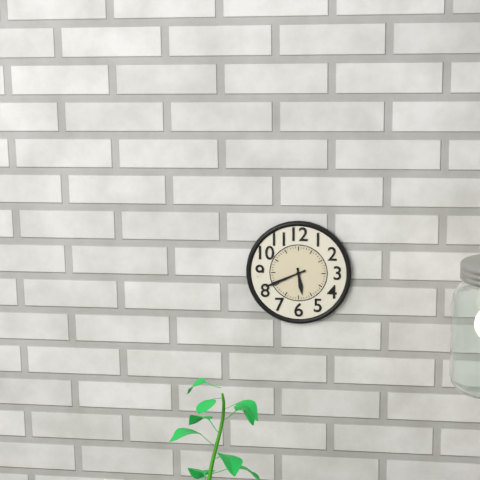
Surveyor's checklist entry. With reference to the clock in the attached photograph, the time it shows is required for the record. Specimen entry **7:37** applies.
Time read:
**5:41**
